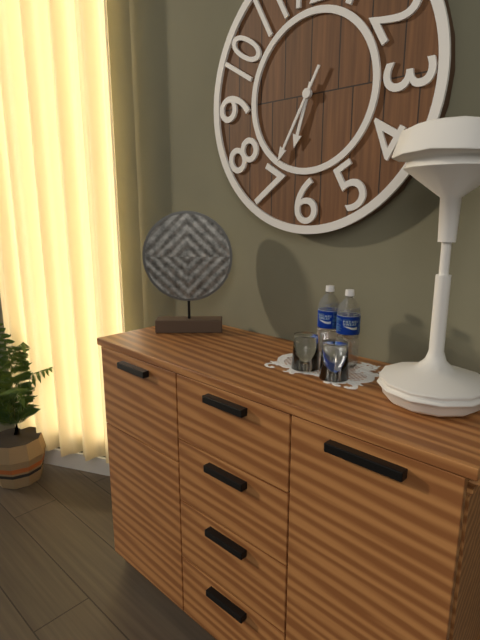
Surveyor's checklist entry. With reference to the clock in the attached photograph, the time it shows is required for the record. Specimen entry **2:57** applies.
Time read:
**6:35**
